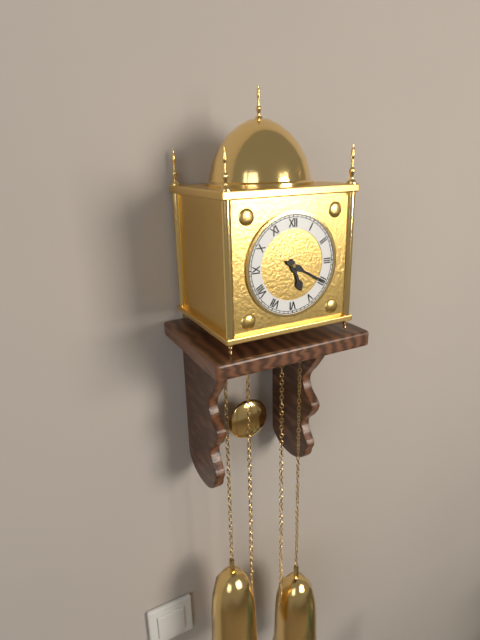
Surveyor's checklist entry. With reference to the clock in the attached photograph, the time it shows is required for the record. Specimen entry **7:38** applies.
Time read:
**5:20**
